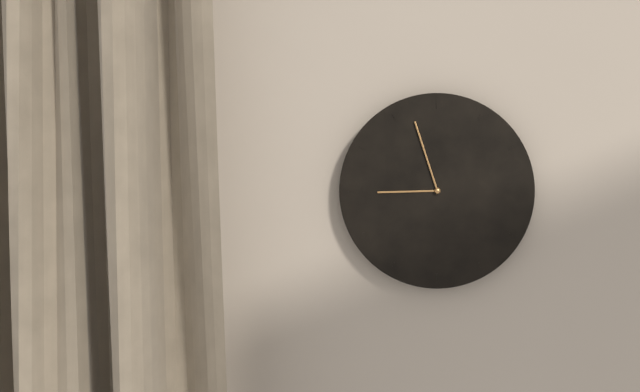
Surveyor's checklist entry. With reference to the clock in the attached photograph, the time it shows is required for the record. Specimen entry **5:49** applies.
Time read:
**8:57**
